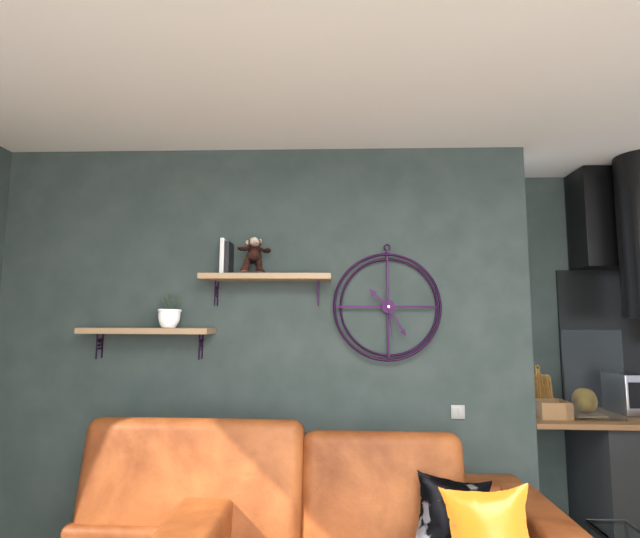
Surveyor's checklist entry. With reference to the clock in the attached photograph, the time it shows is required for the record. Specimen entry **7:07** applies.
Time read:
**10:25**
